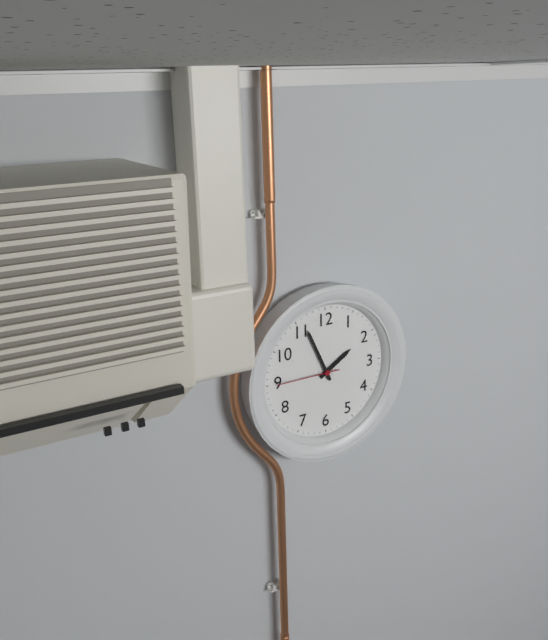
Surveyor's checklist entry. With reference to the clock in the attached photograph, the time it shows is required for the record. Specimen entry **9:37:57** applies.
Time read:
**1:56:45**
